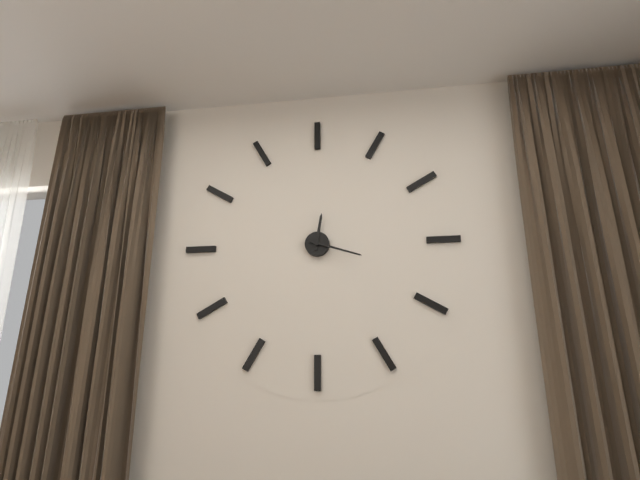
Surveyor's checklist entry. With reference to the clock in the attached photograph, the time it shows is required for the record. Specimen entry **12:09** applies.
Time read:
**12:18**
